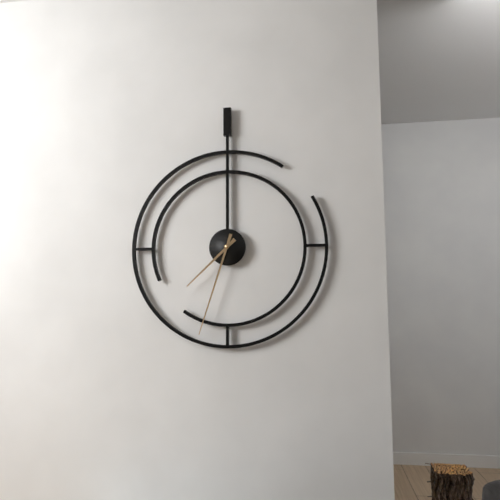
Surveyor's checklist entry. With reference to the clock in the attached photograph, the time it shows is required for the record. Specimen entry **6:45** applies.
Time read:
**7:33**
